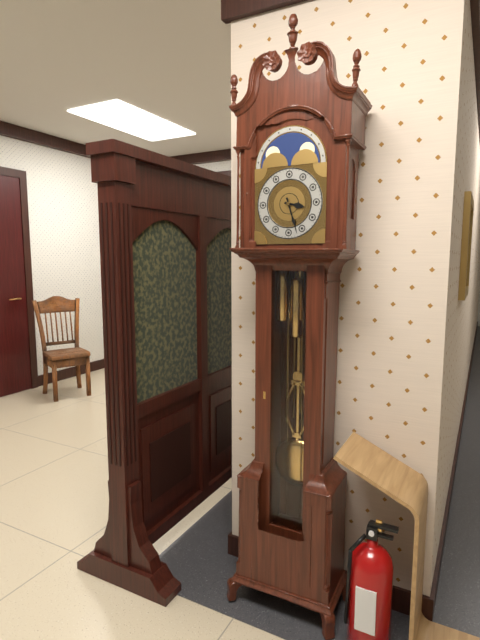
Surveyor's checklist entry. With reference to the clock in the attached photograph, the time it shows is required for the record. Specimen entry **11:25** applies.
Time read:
**3:27**
